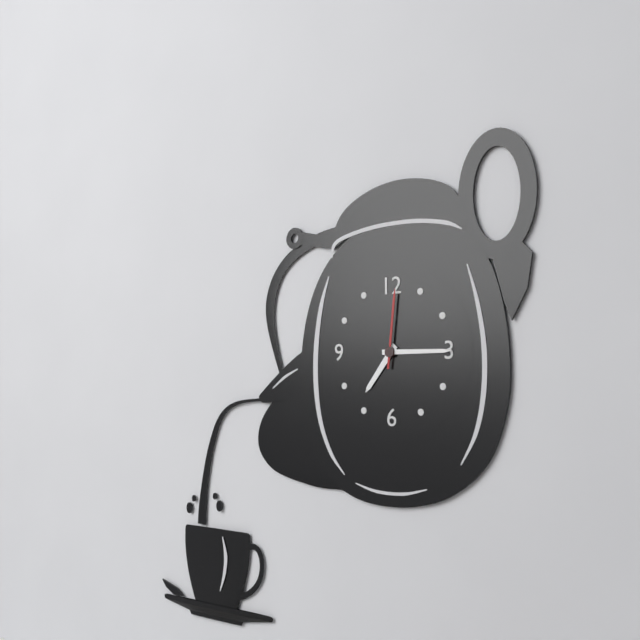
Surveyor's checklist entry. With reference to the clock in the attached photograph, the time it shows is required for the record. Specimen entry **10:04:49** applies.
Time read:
**7:15:01**
